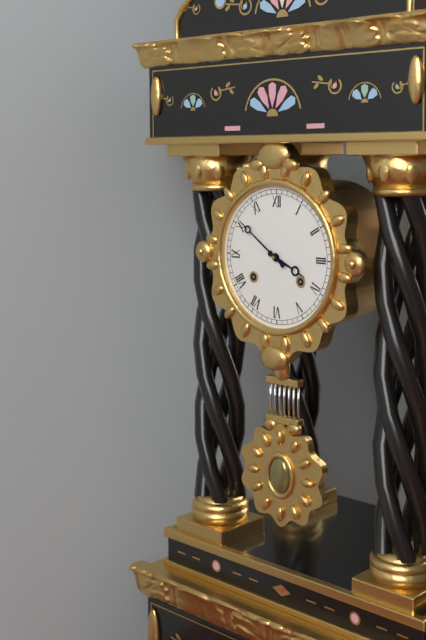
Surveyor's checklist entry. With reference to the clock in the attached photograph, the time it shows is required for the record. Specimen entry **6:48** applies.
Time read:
**3:51**
